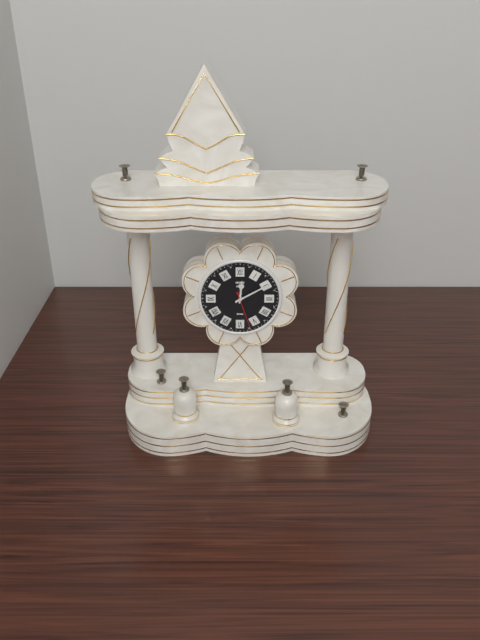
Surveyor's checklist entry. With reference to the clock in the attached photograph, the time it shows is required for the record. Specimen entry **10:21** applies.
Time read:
**12:10**
